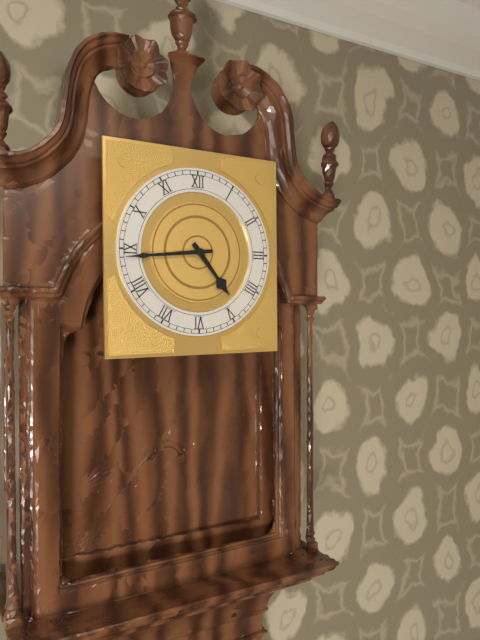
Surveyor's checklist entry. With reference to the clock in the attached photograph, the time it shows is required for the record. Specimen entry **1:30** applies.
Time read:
**4:44**
